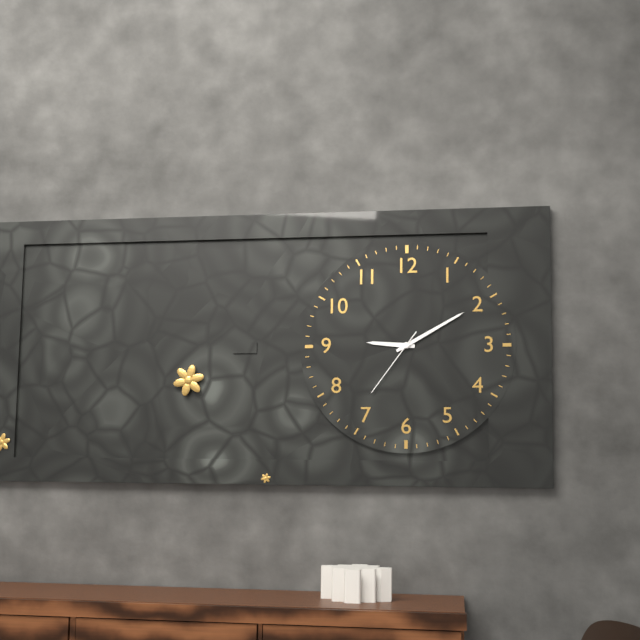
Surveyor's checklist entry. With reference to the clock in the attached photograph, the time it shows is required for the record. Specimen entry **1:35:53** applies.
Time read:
**9:10:36**
